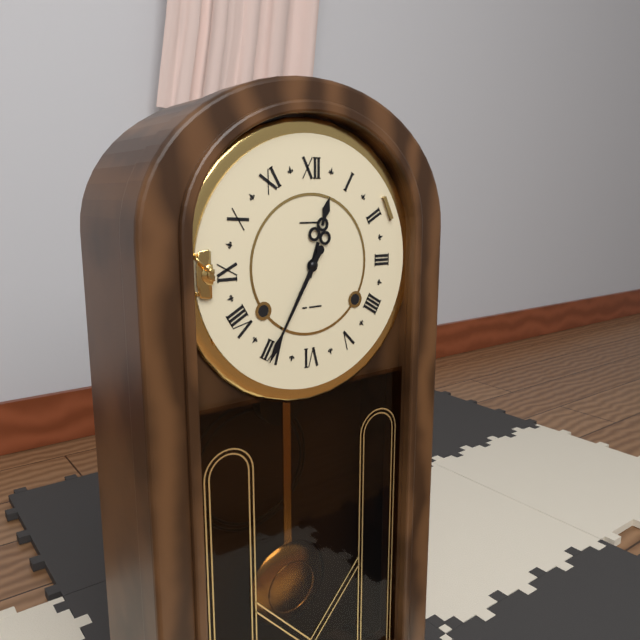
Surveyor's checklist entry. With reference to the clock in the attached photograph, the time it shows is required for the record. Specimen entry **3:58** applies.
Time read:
**12:35**
